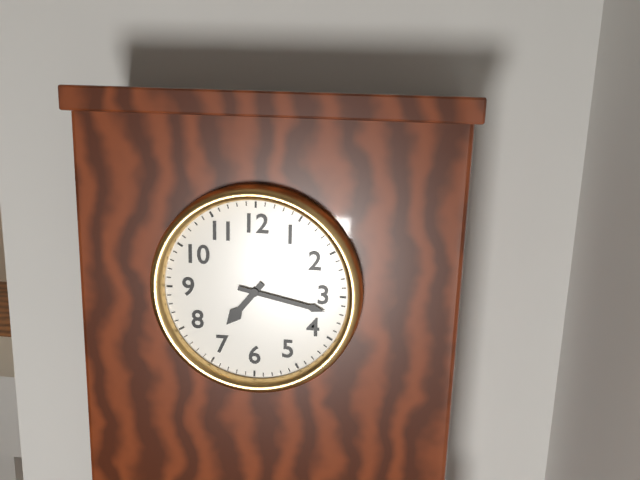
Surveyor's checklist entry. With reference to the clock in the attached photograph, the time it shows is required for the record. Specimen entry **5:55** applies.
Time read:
**7:17**
